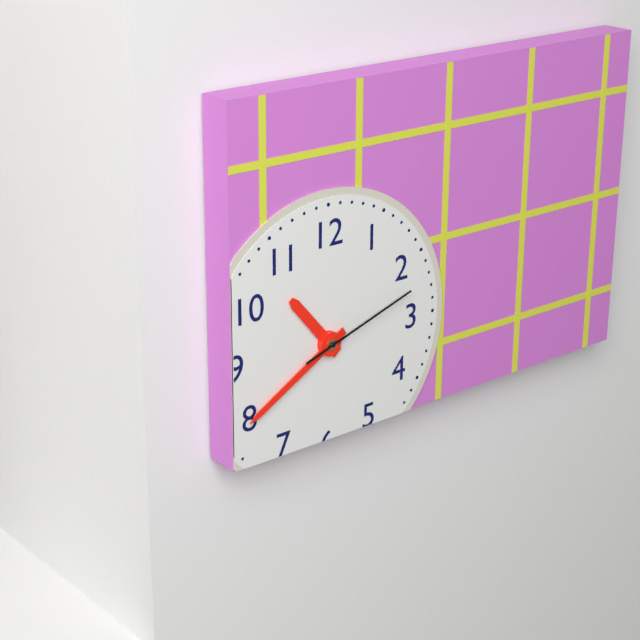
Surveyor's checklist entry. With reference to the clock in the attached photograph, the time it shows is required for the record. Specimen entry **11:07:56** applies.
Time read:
**10:40:12**
